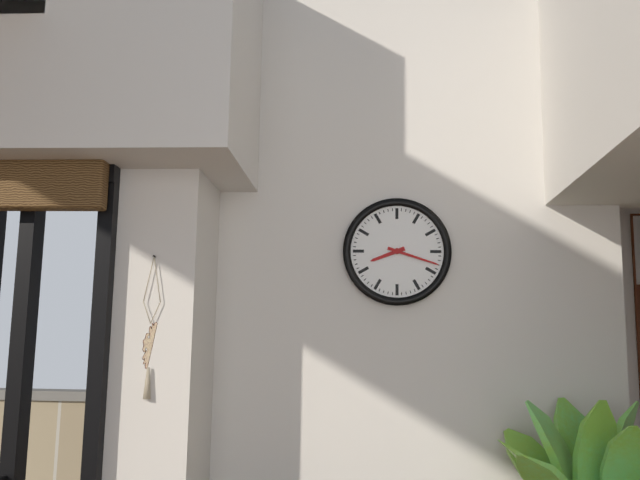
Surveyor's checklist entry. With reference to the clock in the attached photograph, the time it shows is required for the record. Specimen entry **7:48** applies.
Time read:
**8:18**
